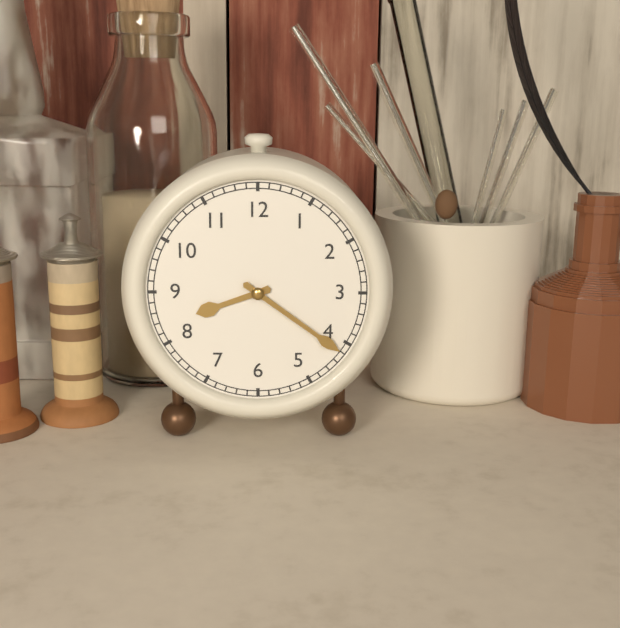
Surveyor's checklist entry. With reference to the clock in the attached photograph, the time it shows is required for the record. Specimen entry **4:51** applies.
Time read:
**8:21**
